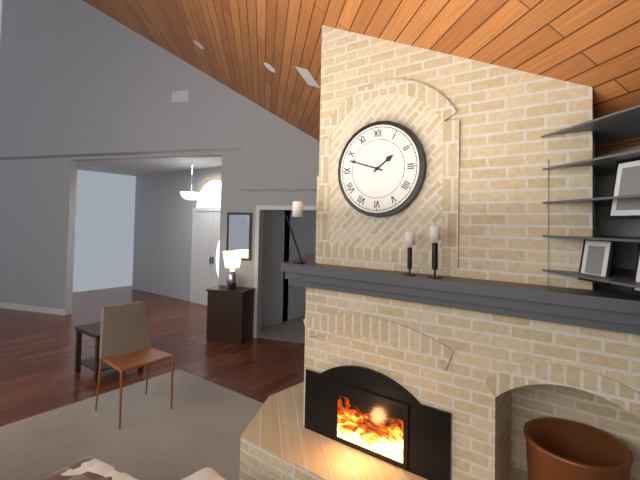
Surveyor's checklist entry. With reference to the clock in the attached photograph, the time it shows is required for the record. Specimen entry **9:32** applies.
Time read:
**1:48**
